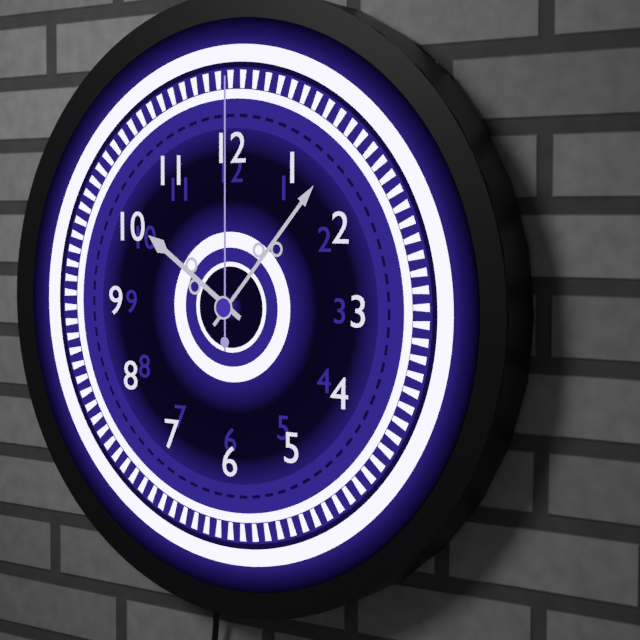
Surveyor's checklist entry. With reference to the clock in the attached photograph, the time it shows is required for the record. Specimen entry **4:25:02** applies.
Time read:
**10:07:00**
